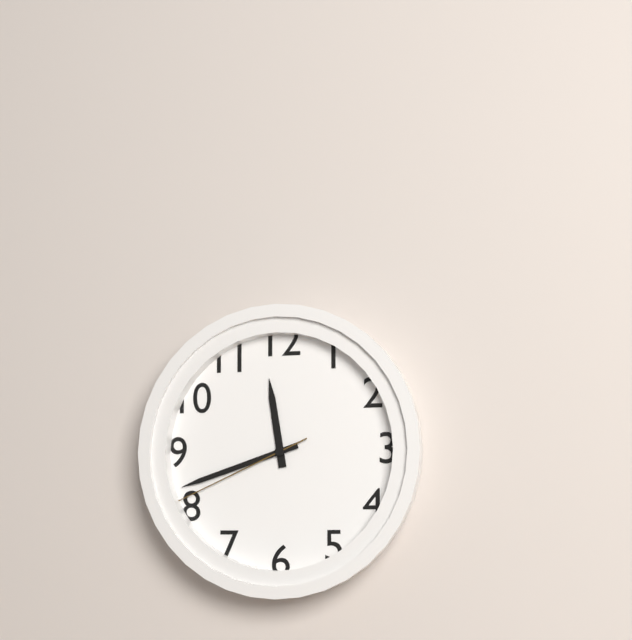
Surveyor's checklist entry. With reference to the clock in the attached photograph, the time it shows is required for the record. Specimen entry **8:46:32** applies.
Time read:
**11:42:41**
